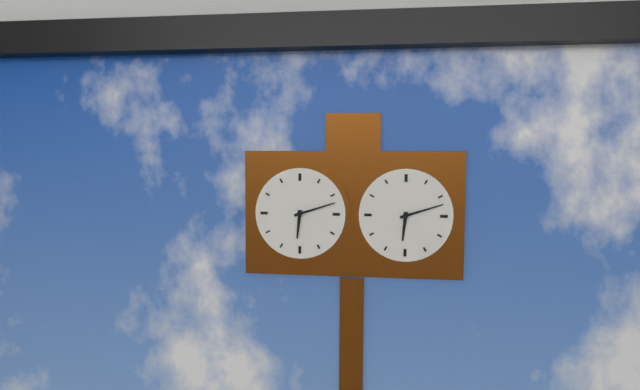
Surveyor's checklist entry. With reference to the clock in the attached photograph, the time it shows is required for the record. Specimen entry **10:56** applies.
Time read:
**6:12**
